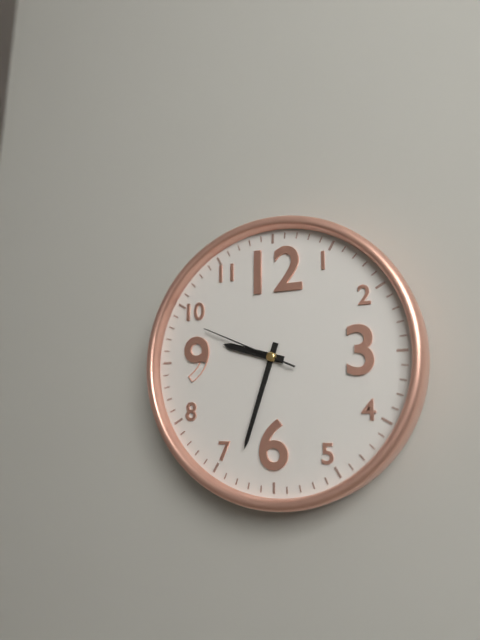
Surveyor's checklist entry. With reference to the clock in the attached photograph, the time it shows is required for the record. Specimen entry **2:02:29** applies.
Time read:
**9:33:49**
